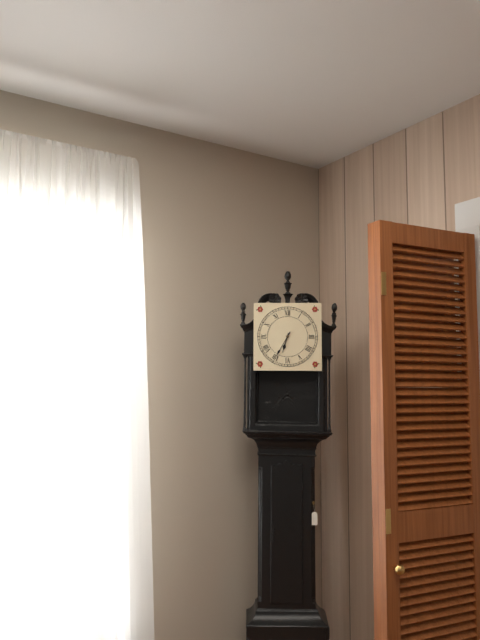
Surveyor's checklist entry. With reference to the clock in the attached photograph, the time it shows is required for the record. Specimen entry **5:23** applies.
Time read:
**6:35**
